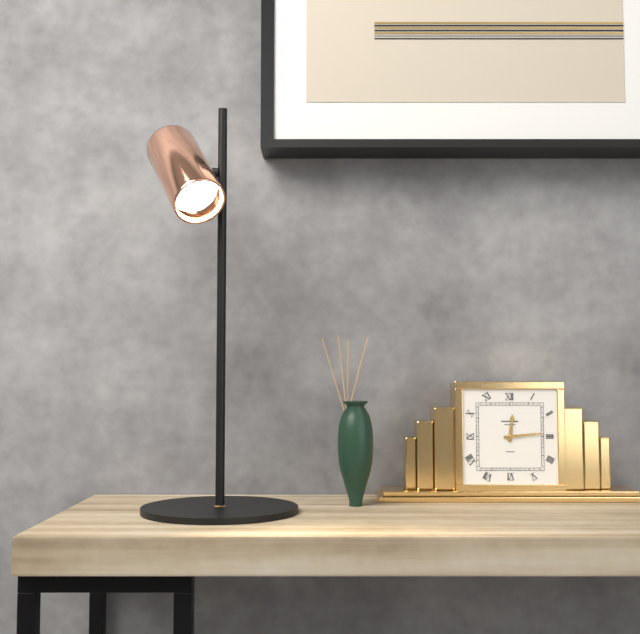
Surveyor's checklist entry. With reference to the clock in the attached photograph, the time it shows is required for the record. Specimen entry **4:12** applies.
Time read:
**12:14**
